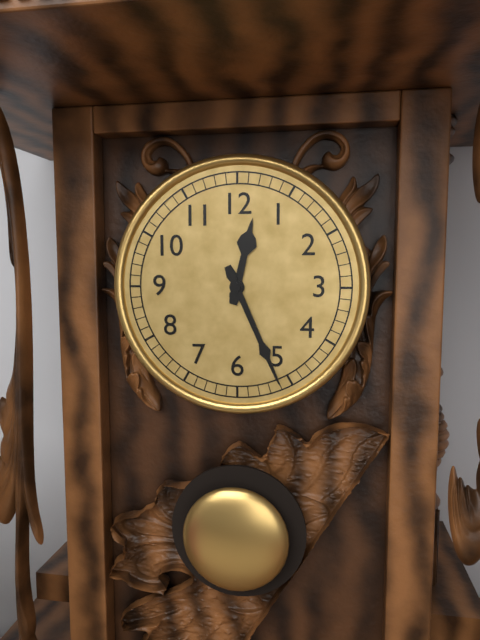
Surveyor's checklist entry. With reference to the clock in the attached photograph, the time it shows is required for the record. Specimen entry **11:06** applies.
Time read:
**12:26**
